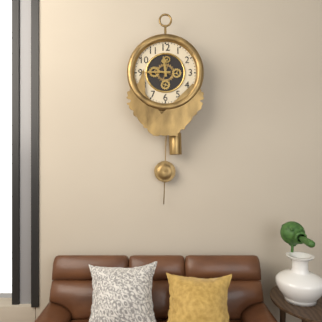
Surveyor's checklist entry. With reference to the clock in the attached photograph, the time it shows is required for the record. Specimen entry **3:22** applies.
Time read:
**11:45**
